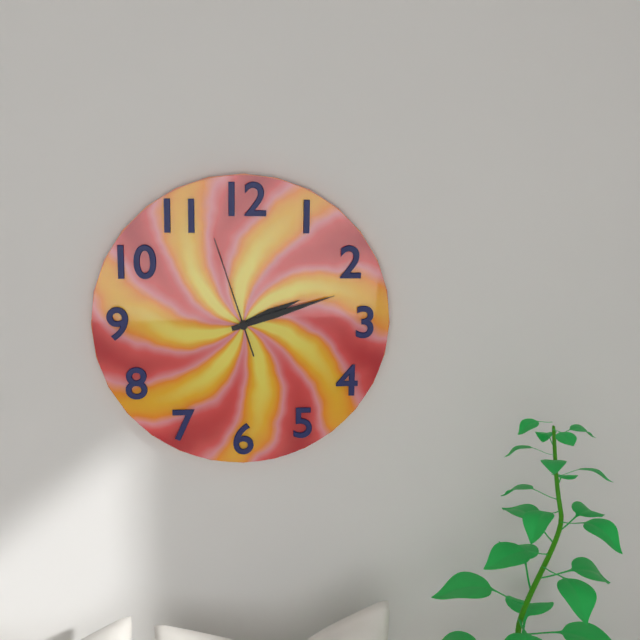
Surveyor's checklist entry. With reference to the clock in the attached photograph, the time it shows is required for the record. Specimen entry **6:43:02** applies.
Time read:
**2:12:57**
